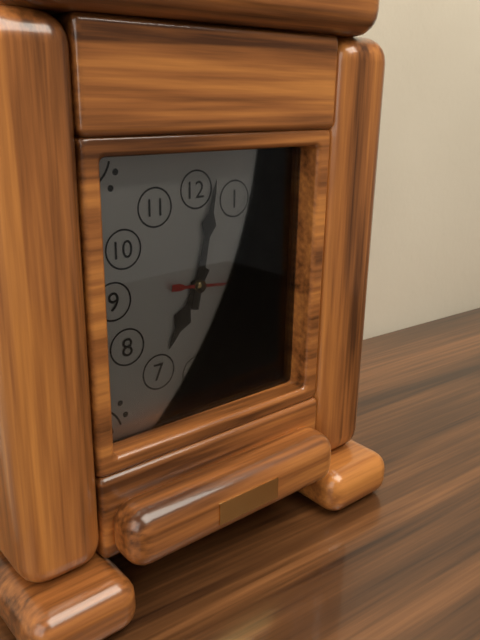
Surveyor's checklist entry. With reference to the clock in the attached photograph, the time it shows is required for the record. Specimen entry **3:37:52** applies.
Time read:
**7:02:16**
